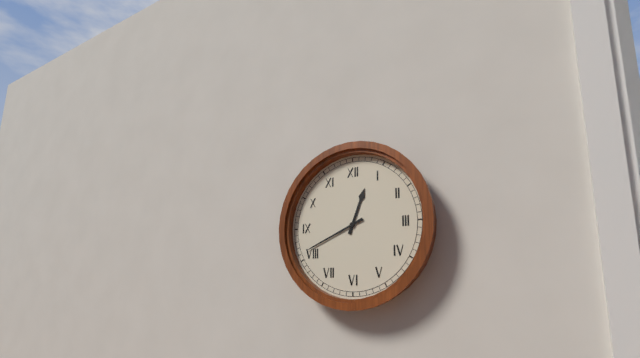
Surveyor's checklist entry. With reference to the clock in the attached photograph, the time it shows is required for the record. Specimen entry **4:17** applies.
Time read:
**12:41**
